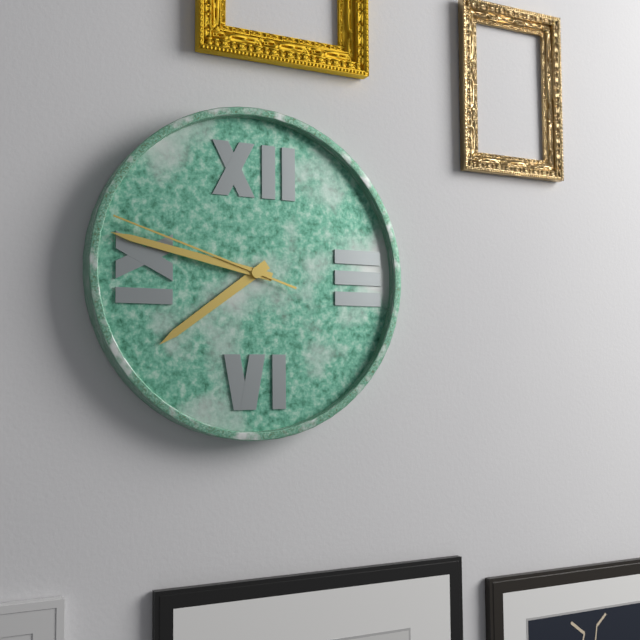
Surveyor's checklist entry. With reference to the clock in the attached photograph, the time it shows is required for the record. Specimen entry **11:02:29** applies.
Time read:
**7:47:48**
